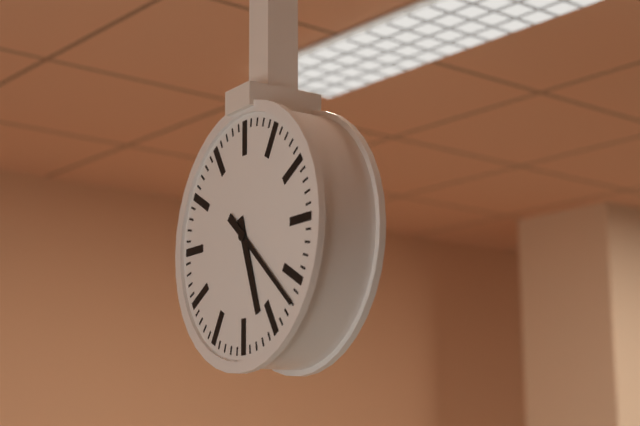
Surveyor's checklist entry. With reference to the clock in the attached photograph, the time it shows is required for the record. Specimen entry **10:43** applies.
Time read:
**5:22**
